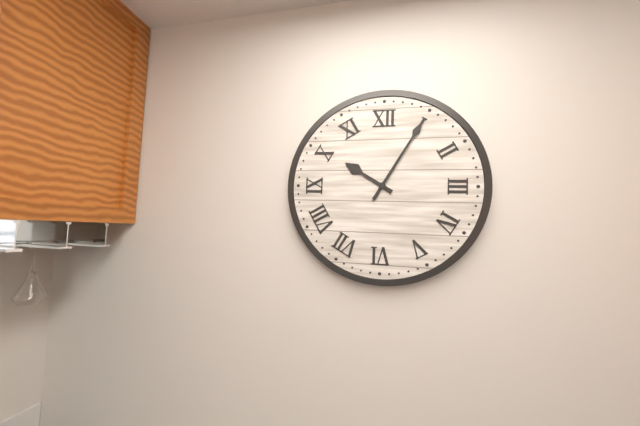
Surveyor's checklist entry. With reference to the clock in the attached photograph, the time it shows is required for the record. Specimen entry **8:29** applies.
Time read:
**10:05**
